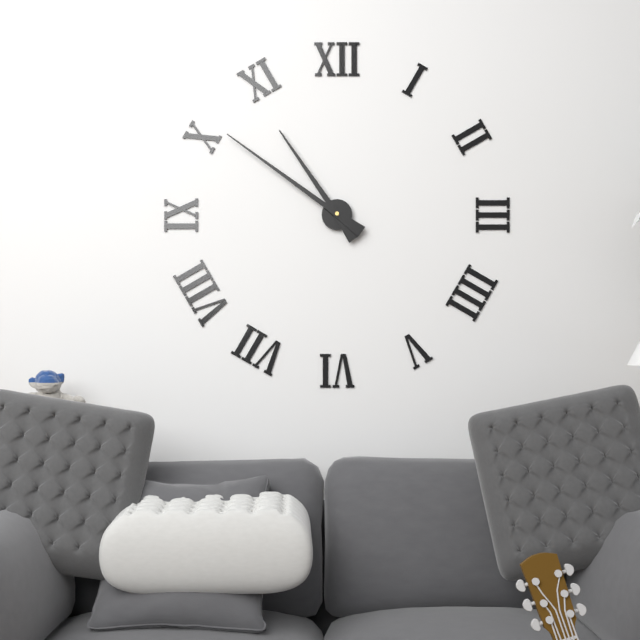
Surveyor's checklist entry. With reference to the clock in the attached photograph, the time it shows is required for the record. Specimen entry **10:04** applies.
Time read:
**10:51**
